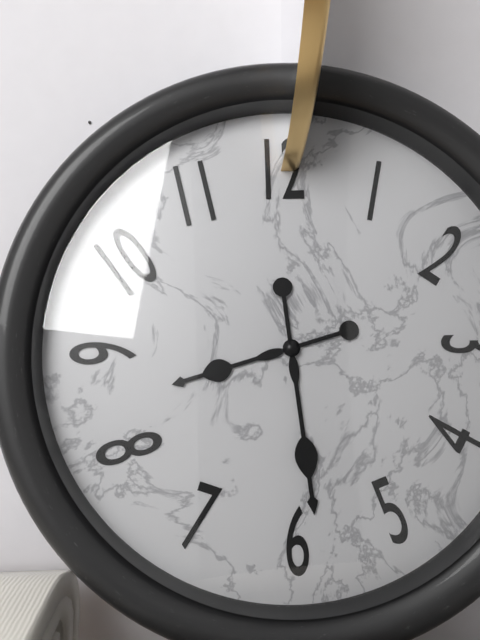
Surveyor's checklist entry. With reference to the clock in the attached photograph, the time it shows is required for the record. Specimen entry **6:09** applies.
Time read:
**8:29**
